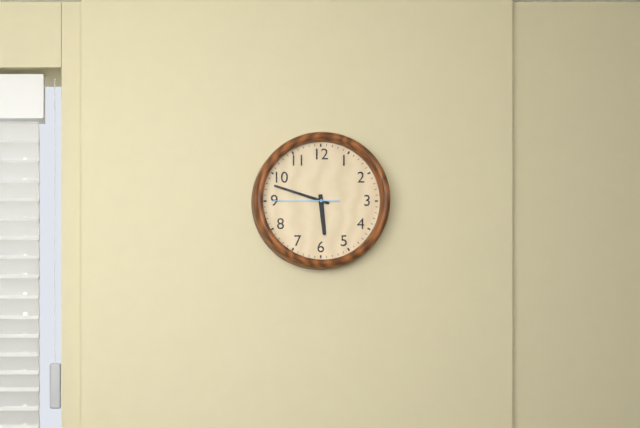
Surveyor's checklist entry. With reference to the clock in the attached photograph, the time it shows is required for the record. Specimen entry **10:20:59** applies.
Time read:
**5:48:45**
